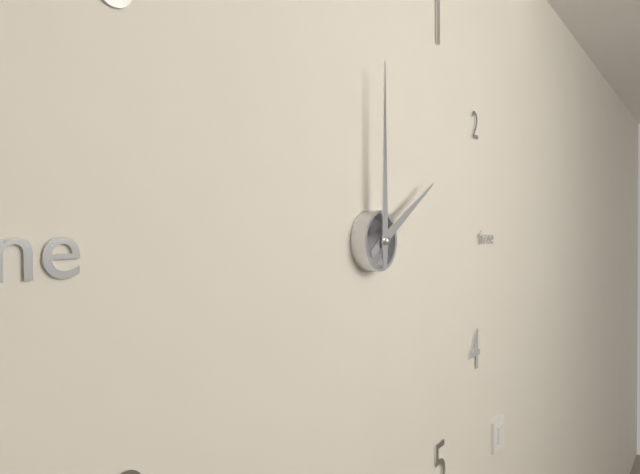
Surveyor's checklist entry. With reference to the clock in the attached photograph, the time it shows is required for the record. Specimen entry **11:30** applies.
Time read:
**2:00**
